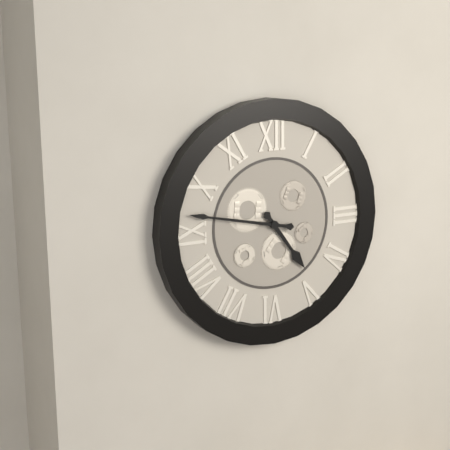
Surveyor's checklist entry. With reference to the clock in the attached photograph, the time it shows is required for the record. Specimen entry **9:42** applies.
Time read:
**4:47**
